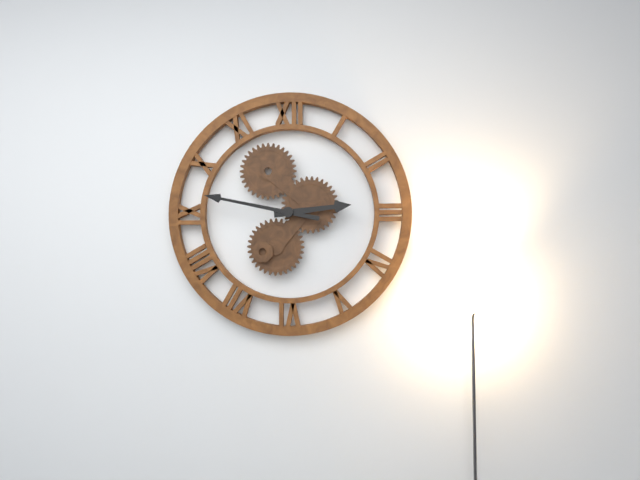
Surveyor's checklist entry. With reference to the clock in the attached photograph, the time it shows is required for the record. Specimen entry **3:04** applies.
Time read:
**2:47**
